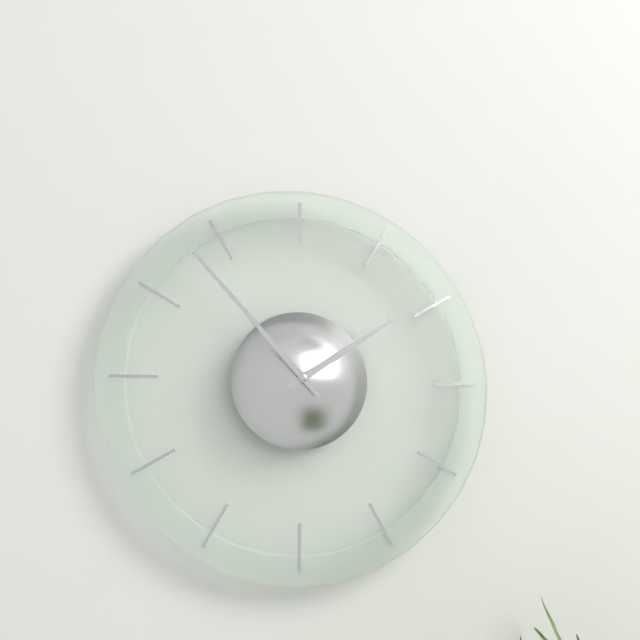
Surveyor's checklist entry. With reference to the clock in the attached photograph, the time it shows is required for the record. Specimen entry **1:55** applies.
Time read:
**1:53**
